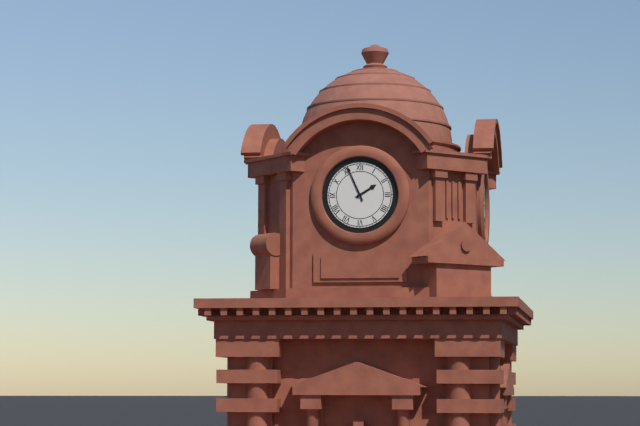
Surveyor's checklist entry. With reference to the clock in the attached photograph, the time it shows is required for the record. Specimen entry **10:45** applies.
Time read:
**1:56**
